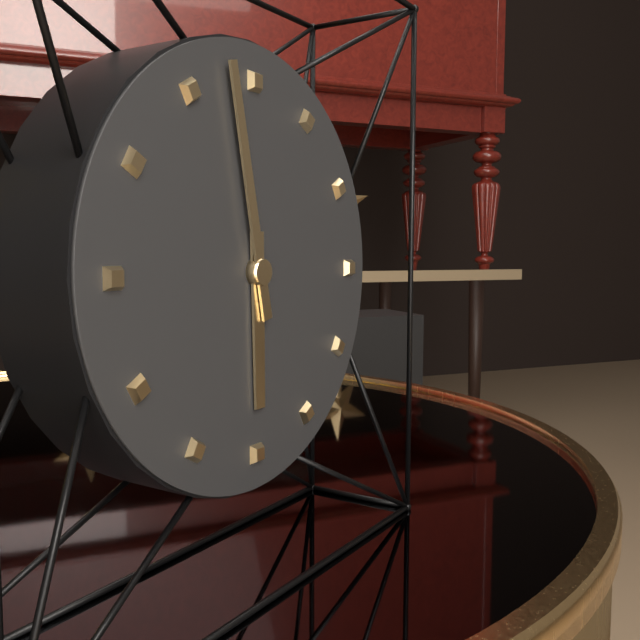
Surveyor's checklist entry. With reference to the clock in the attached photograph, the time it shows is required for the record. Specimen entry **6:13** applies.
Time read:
**5:58**
